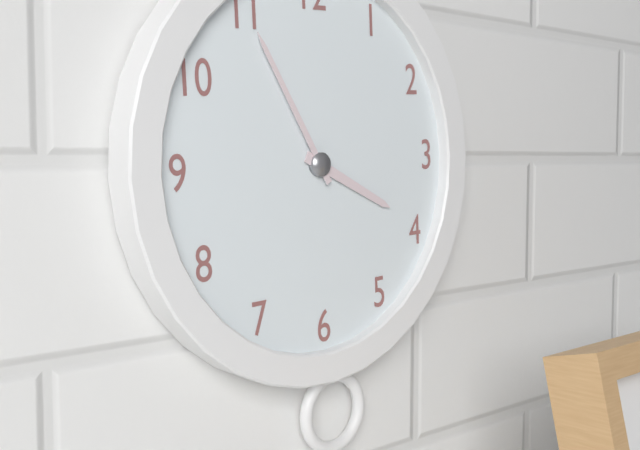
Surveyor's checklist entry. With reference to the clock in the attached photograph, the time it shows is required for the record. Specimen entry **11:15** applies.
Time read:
**3:55**
